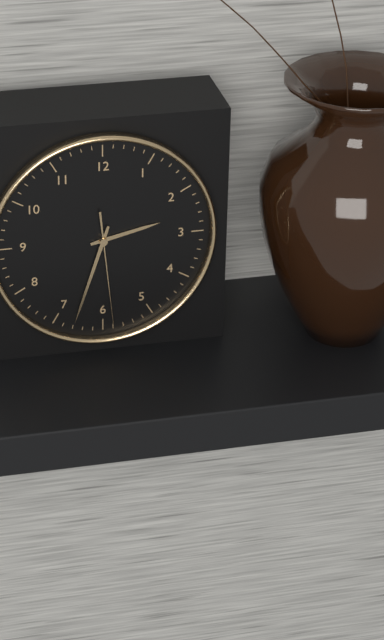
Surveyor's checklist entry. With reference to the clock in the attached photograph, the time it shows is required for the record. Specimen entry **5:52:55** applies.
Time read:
**2:33:29**
